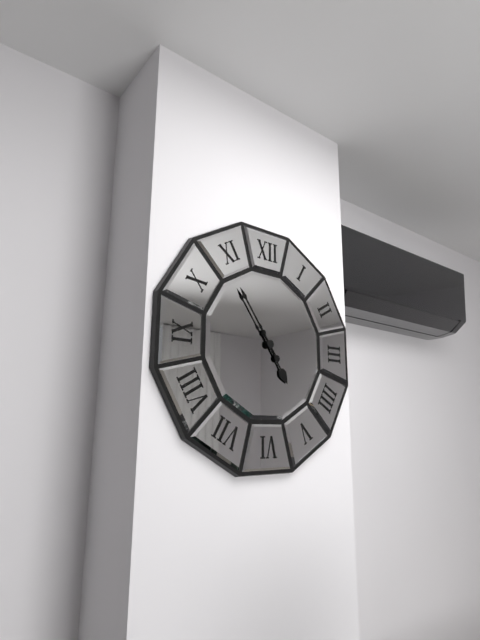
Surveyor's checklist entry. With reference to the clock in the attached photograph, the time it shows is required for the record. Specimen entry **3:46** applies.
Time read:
**4:54**
